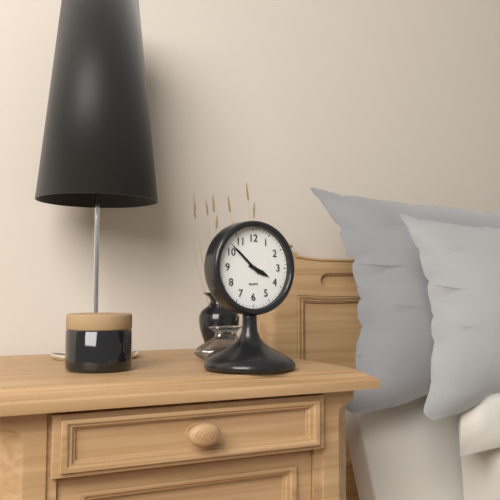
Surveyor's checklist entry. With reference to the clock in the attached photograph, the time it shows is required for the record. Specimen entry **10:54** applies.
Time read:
**3:52**
